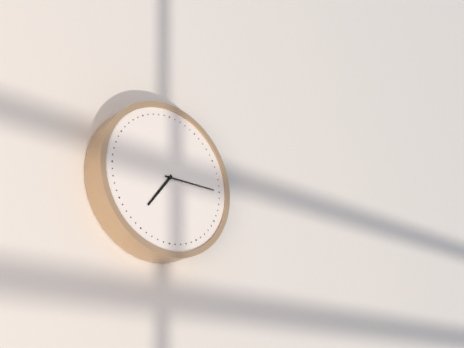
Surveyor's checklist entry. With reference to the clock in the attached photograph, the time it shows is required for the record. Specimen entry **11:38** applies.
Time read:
**7:15**
